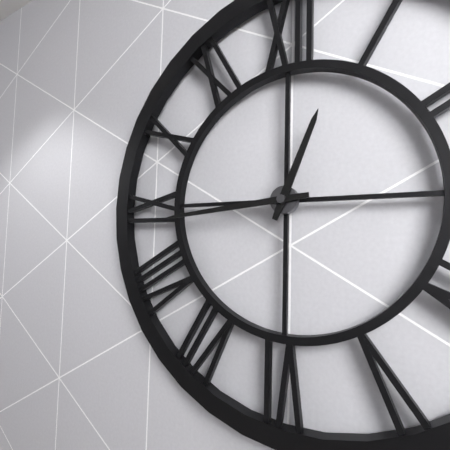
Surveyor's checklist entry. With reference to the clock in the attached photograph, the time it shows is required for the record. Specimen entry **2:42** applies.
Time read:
**12:44**
